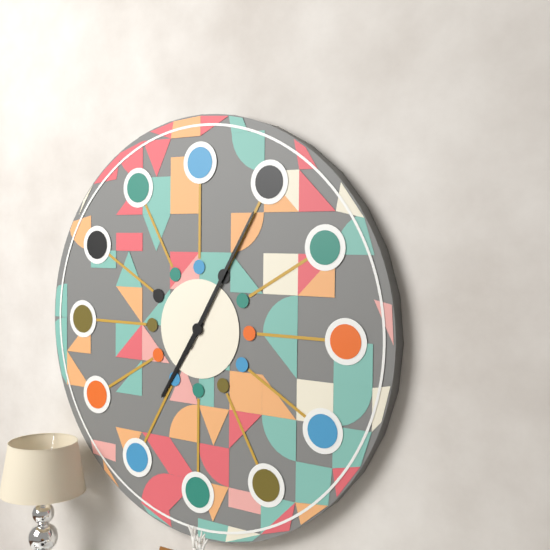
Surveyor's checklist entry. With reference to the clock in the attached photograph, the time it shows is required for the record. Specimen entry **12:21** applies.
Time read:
**7:05**
